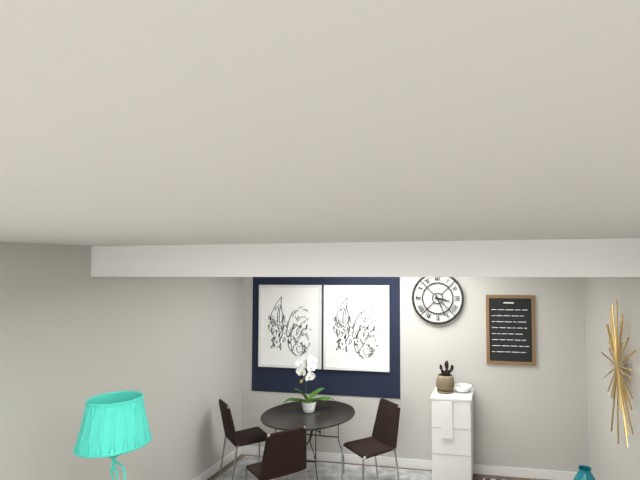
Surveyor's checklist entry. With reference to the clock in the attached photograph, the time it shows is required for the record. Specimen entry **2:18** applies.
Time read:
**3:26**
